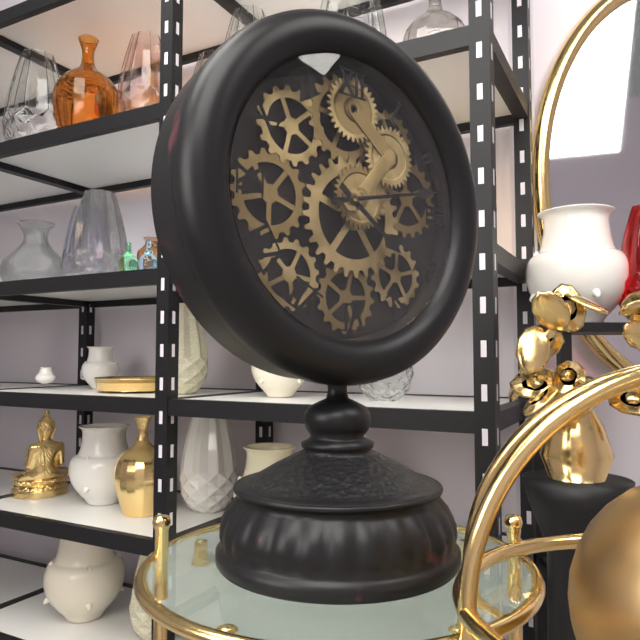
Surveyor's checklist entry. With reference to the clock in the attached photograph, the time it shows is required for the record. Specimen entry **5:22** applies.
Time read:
**4:13**
